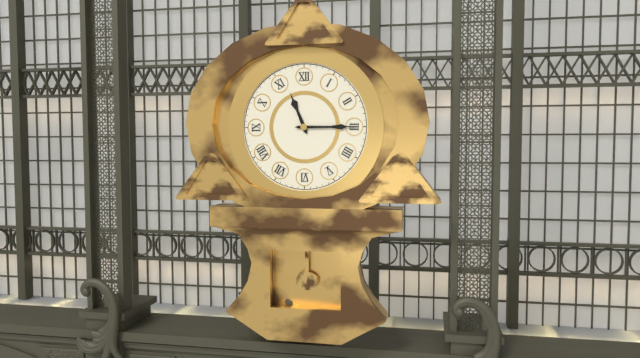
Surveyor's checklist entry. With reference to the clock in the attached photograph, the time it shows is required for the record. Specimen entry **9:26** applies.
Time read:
**11:15**
